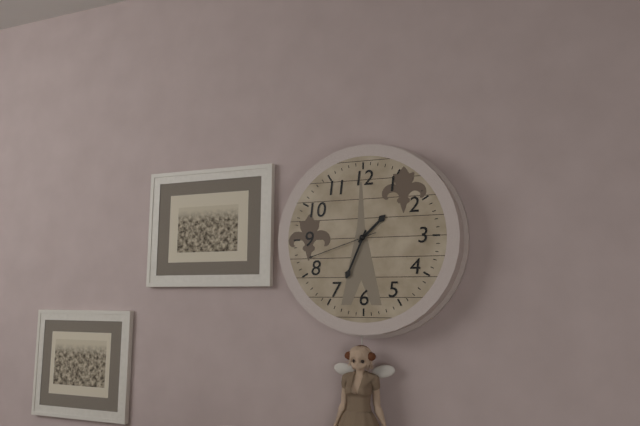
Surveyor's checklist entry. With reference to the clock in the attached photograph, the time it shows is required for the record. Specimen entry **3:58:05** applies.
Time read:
**1:34:42**
